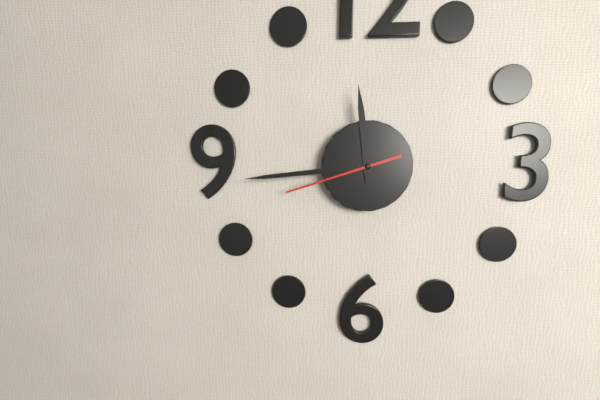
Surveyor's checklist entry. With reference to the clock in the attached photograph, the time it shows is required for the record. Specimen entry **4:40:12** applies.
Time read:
**11:44:42**
